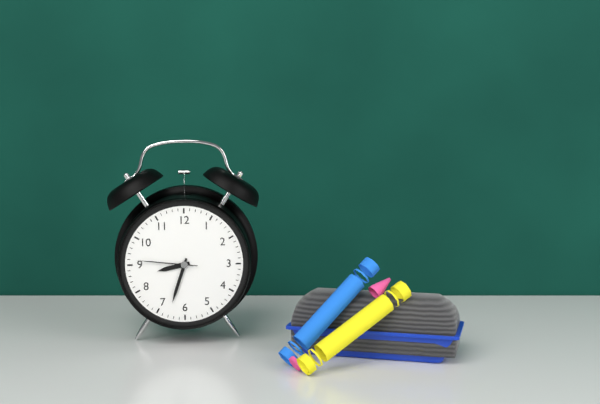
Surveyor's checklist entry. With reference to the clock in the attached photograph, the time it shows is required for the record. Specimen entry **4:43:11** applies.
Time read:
**8:33:46**
